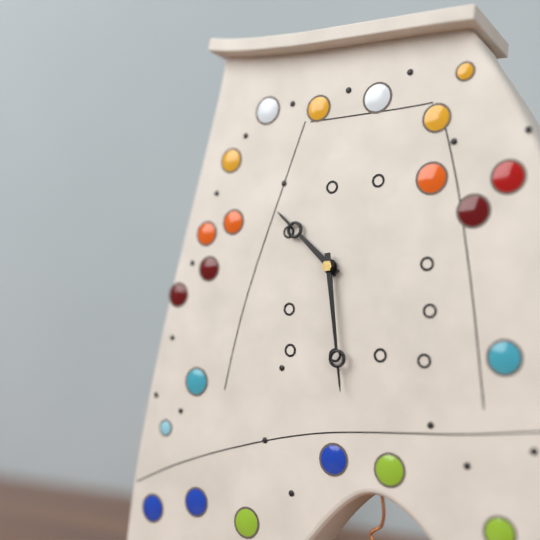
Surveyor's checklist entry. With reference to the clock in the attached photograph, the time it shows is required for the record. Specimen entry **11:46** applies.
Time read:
**10:29**
